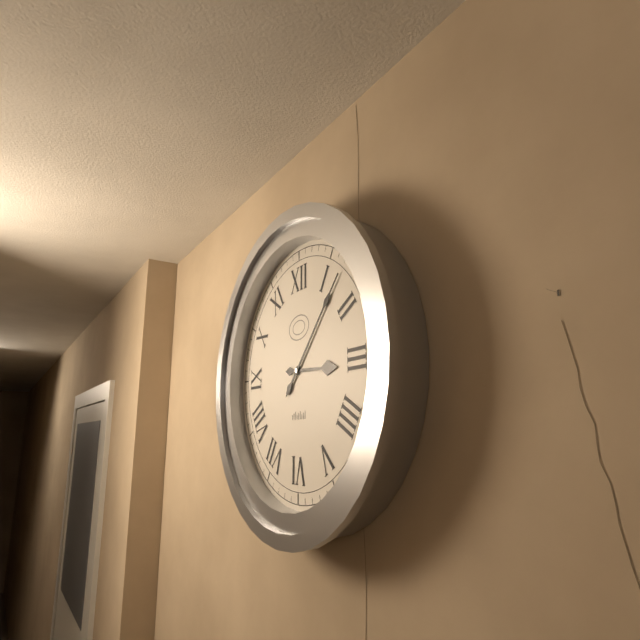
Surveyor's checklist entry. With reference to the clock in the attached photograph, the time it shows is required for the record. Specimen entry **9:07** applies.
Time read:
**3:07**
